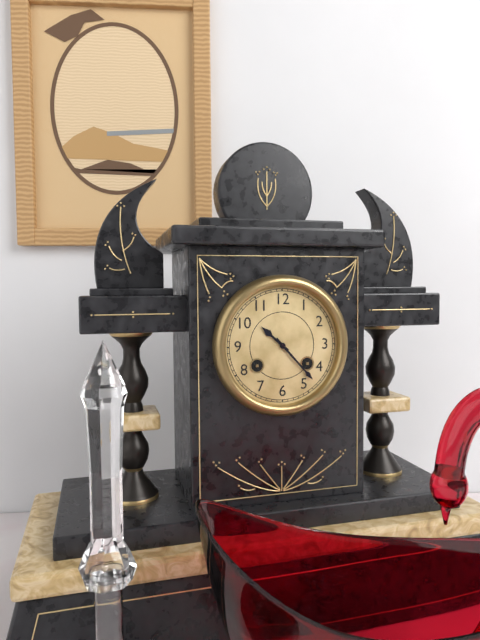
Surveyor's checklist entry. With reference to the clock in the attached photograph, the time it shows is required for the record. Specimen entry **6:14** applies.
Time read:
**10:23**
